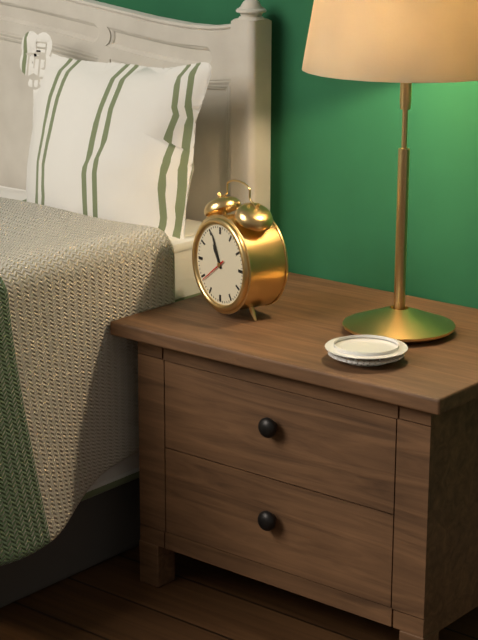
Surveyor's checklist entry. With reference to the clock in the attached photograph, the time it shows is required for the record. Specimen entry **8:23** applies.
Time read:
**10:56**
